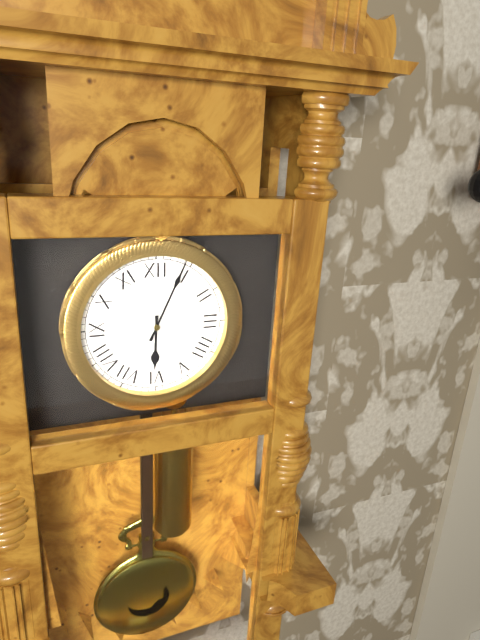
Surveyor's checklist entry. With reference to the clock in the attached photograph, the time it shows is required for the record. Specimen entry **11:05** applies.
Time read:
**6:04**
